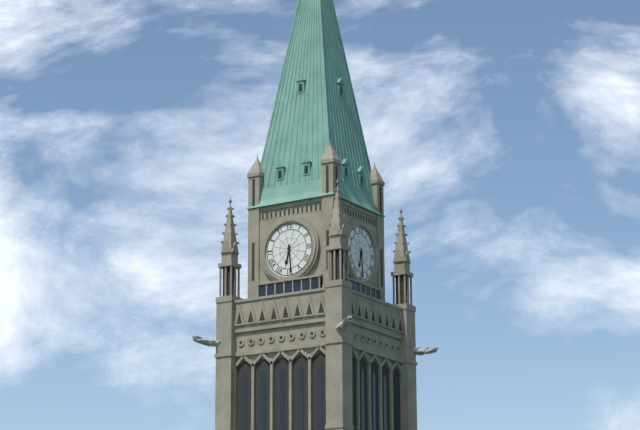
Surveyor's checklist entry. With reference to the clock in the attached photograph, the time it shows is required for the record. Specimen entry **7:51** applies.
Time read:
**6:29**
